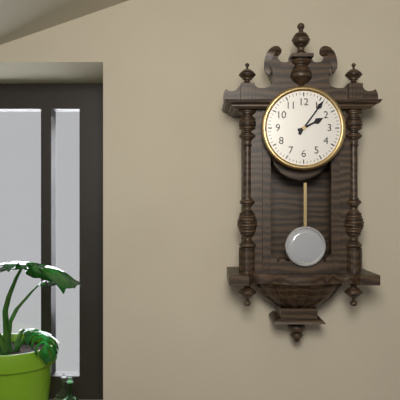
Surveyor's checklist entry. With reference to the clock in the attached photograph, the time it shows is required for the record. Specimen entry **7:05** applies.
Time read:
**2:06**
